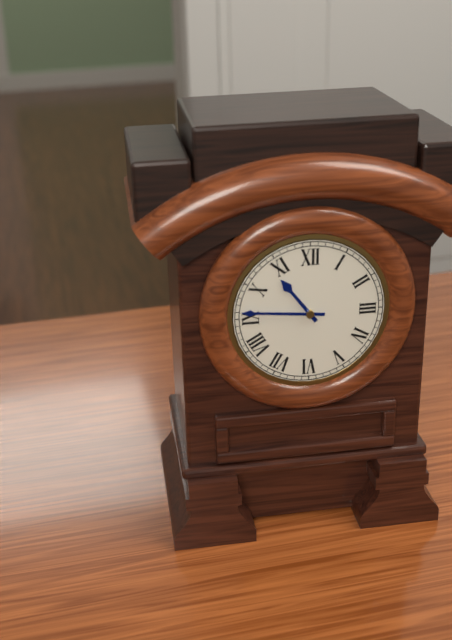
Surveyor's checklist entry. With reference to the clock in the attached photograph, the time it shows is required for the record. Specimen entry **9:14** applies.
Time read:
**10:46**
